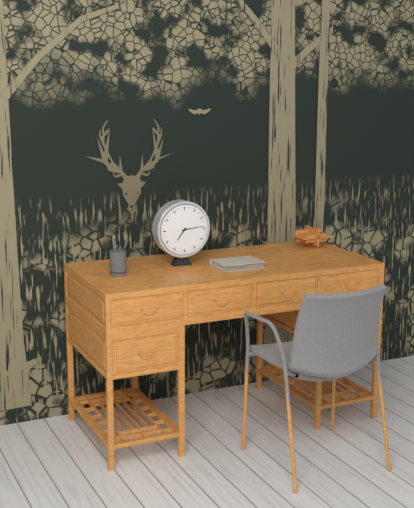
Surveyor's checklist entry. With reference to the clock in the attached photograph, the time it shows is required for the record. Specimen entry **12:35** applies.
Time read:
**7:14**
